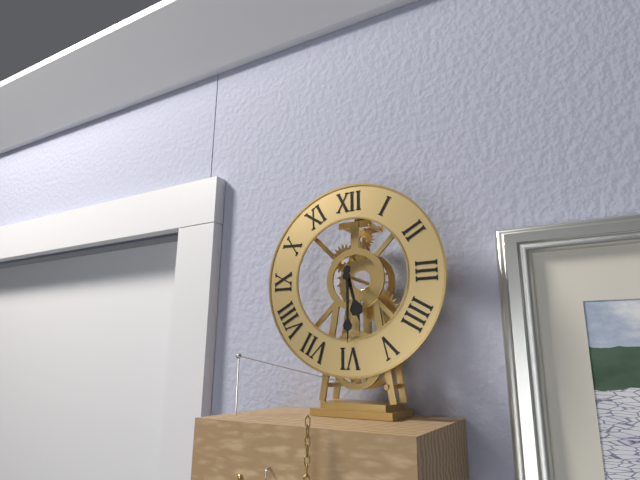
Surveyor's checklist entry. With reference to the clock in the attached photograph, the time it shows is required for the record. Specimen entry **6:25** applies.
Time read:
**5:30**
